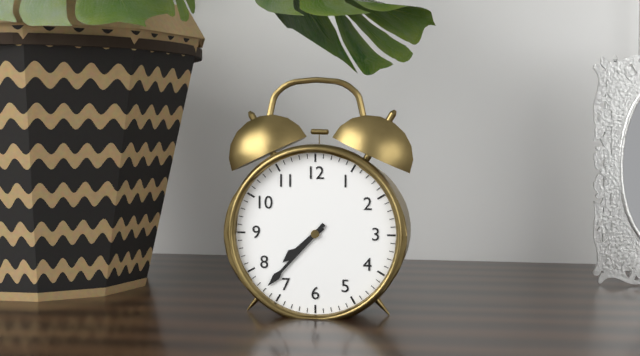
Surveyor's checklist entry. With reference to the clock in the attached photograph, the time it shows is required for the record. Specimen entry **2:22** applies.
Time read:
**7:37**
